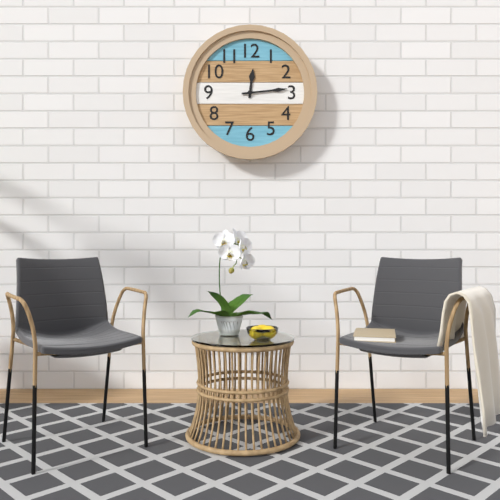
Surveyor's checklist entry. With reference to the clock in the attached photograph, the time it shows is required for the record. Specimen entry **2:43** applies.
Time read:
**12:14**
